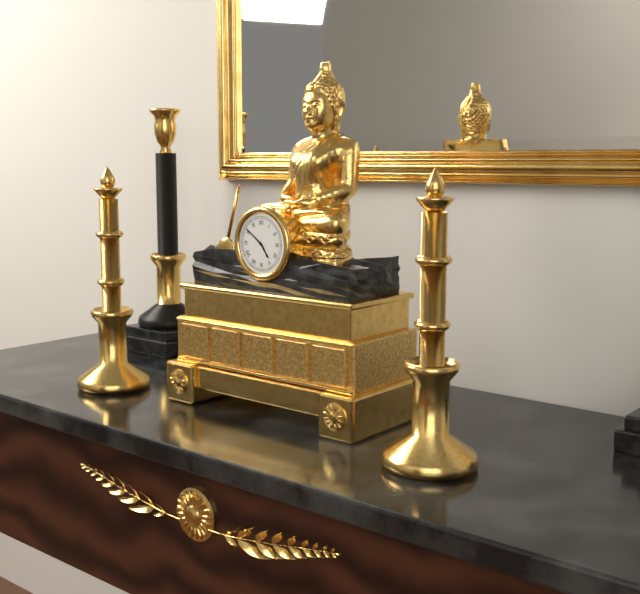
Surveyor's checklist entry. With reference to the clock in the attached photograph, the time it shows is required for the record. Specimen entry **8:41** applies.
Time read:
**4:51**
